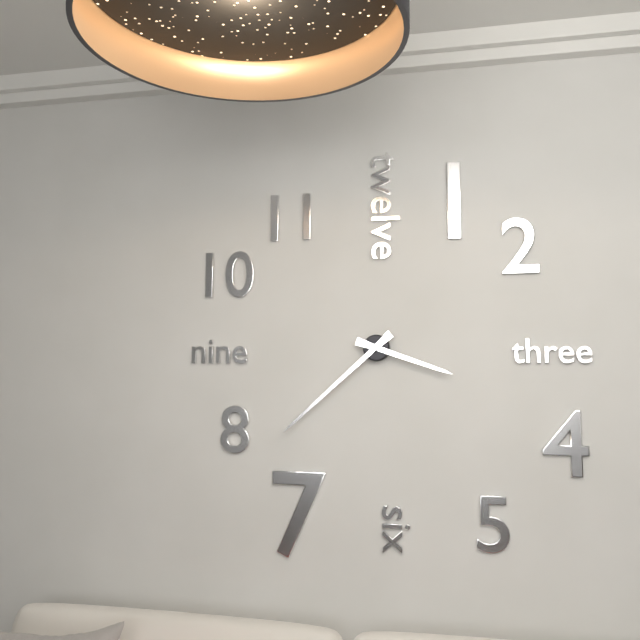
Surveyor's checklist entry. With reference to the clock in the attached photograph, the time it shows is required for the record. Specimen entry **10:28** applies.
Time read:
**3:38**
